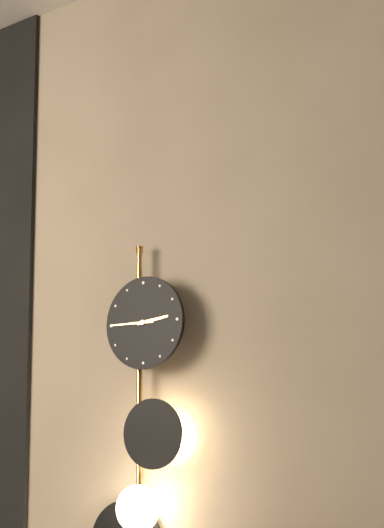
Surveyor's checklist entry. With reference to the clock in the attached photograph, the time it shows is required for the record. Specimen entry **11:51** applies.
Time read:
**2:45**
